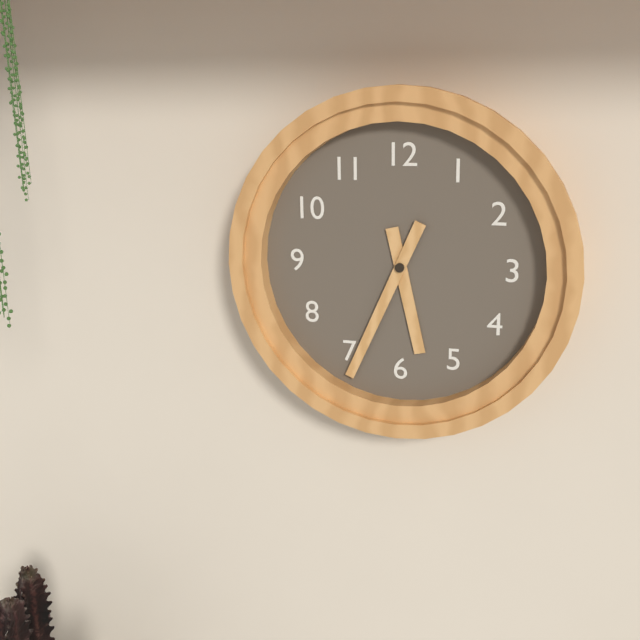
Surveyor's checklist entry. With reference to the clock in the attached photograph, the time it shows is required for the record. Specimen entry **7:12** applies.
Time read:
**5:34**
